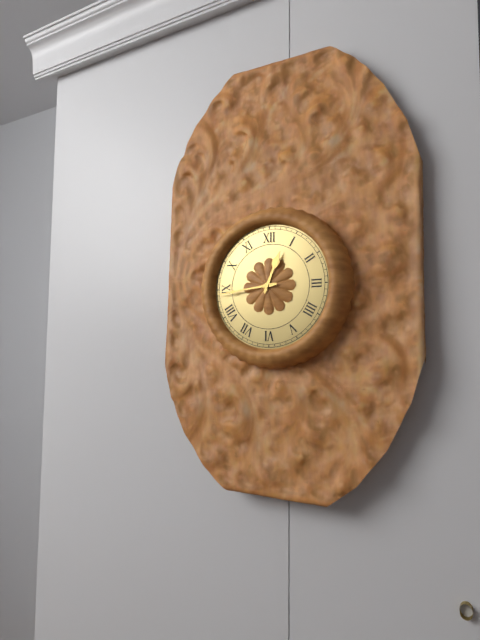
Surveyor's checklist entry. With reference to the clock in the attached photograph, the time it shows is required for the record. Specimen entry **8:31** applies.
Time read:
**12:44**
